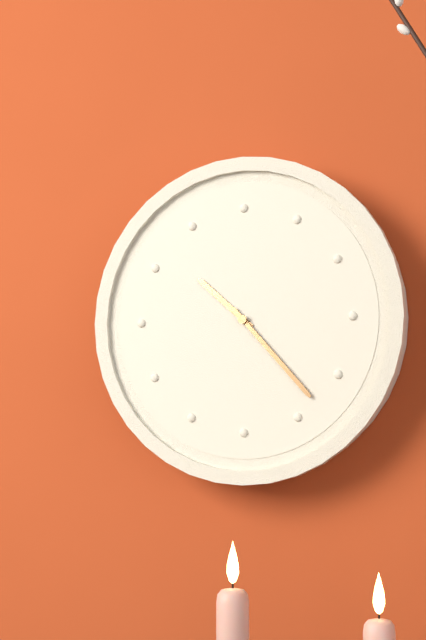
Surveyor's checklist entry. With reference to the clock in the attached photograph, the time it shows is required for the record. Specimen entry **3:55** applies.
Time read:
**10:23**
